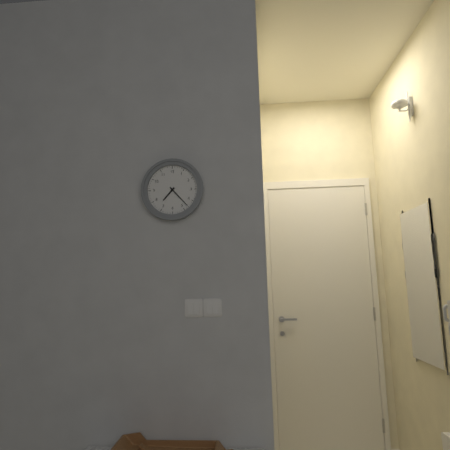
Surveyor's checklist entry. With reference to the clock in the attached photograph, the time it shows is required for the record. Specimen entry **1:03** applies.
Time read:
**7:23**
